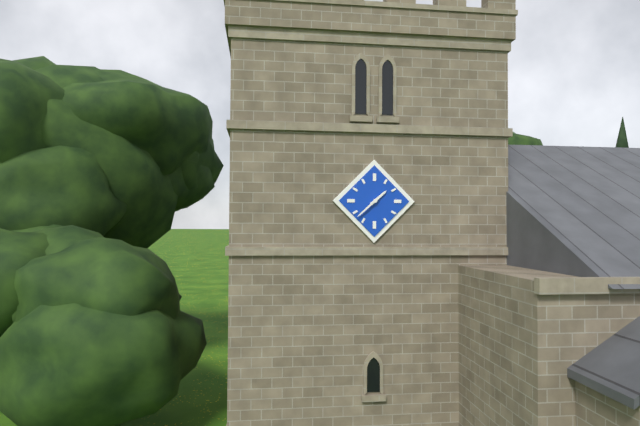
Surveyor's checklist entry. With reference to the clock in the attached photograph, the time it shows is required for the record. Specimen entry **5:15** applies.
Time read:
**1:38**
